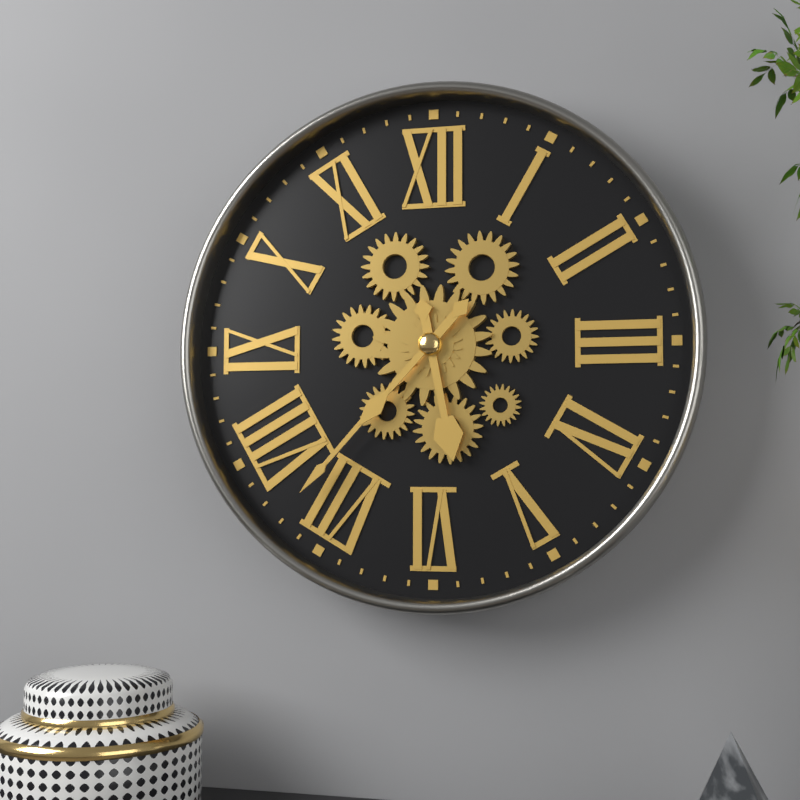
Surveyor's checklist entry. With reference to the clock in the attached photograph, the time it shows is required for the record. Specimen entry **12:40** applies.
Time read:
**5:37**
